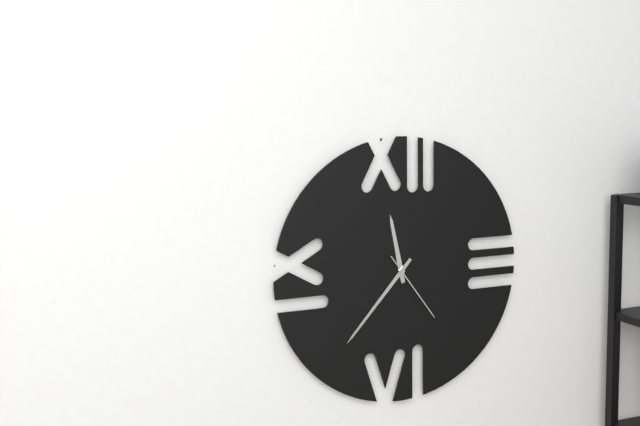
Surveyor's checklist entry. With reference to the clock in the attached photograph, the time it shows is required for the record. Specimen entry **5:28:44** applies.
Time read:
**11:37:24**
